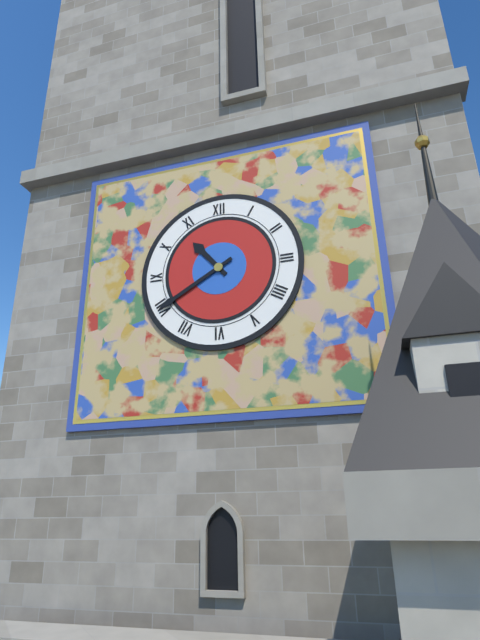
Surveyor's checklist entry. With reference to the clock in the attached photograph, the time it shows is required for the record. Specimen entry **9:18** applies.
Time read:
**10:40**
